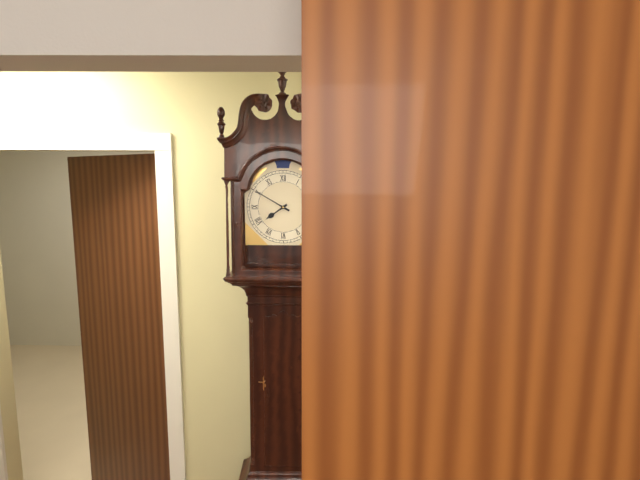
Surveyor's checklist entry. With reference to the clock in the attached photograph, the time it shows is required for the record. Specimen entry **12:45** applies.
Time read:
**7:50**
